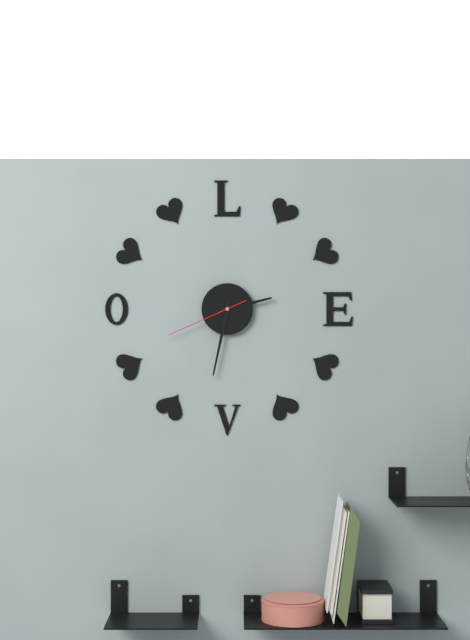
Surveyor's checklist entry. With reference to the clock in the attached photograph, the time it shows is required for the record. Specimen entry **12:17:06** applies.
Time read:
**2:32:41**
